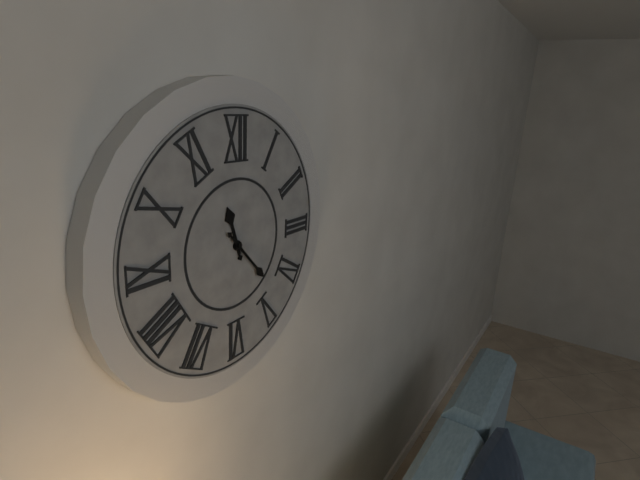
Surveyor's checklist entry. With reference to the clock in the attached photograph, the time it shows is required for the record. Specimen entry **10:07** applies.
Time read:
**11:23**
